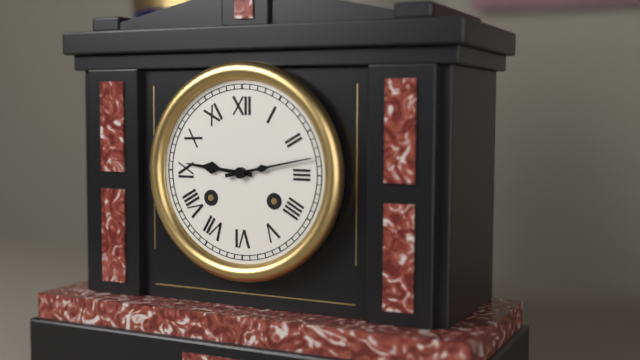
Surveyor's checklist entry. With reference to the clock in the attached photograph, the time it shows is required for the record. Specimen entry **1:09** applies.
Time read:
**9:13**
